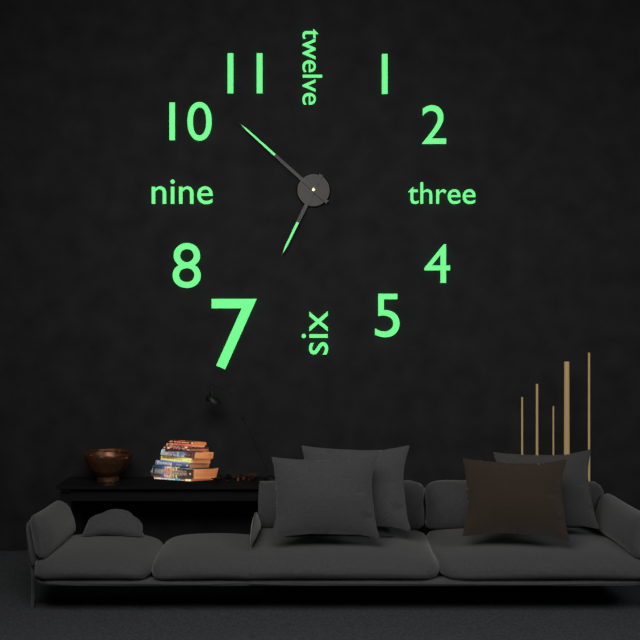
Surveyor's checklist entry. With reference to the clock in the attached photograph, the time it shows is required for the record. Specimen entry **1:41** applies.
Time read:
**6:52**
